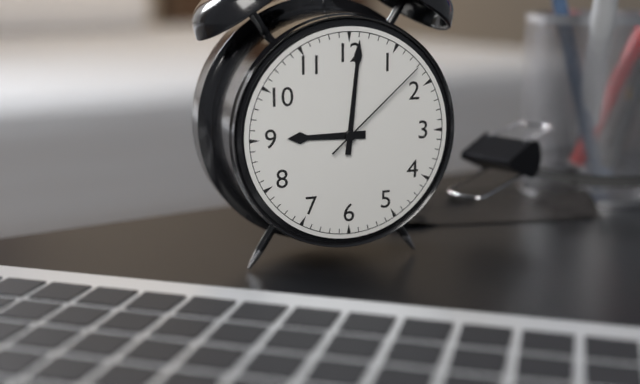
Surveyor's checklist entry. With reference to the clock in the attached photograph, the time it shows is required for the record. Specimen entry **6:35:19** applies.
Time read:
**9:01:08**
